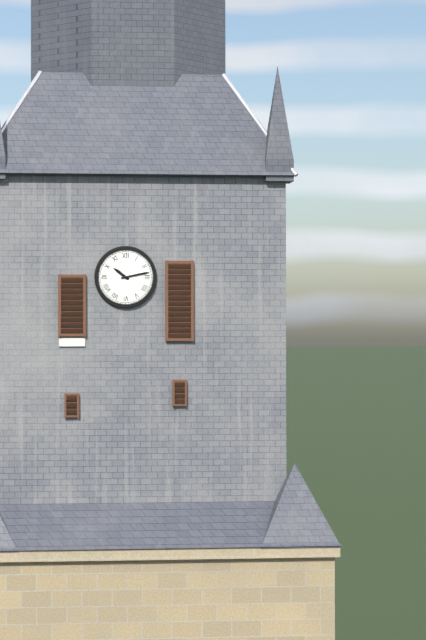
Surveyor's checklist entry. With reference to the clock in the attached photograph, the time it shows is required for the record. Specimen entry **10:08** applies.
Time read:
**10:13**
